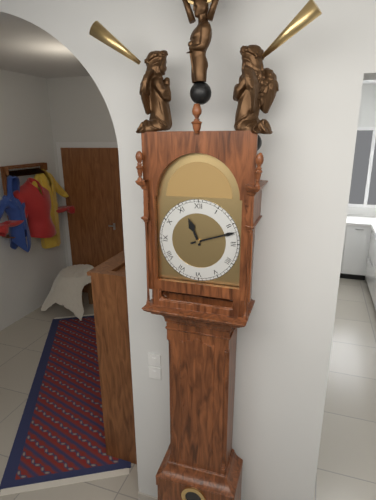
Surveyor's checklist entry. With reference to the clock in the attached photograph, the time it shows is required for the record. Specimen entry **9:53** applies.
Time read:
**11:12**
